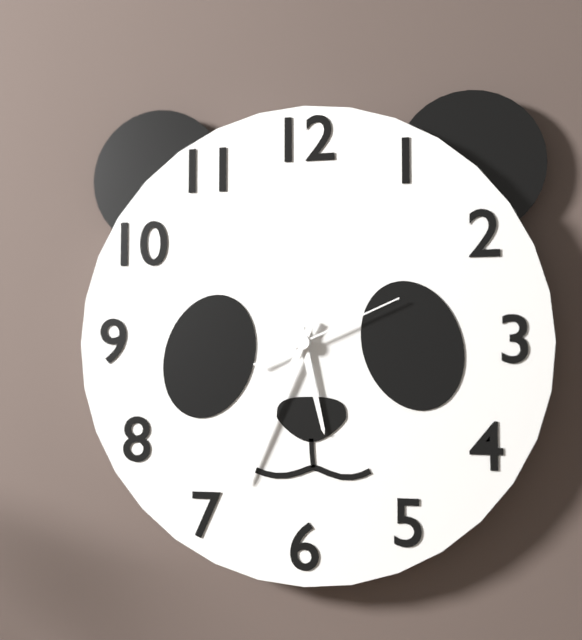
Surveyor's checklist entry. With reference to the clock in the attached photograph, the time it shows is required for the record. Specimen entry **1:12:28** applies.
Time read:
**5:34:11**
